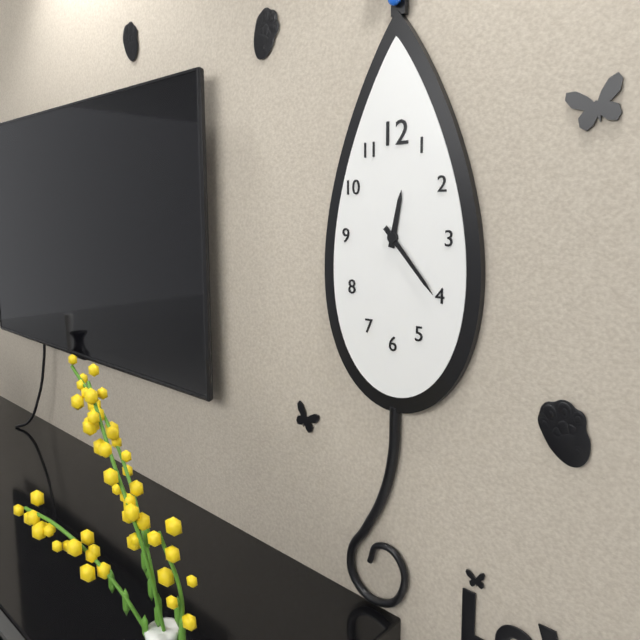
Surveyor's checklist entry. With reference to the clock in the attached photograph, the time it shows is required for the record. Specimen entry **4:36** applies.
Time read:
**12:23**
